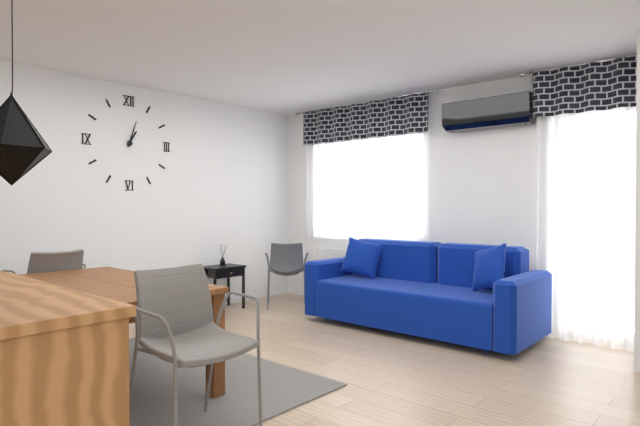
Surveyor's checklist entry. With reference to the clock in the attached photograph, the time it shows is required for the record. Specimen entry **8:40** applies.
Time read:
**1:03**
